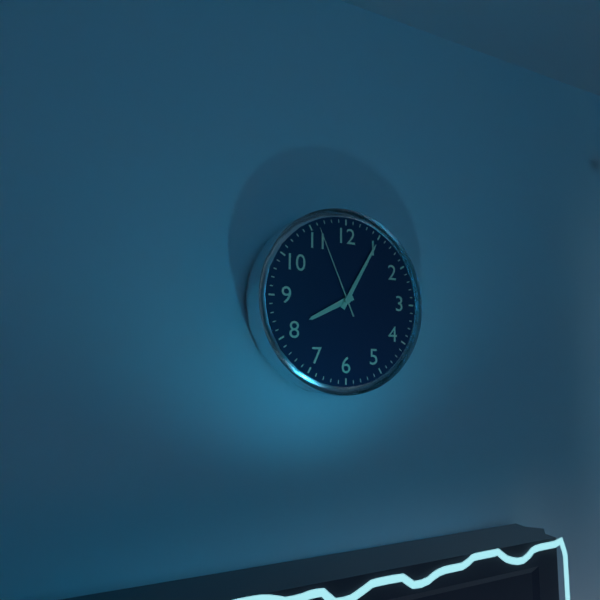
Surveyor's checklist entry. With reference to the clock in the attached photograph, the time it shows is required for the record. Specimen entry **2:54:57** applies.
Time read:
**8:05:56**
